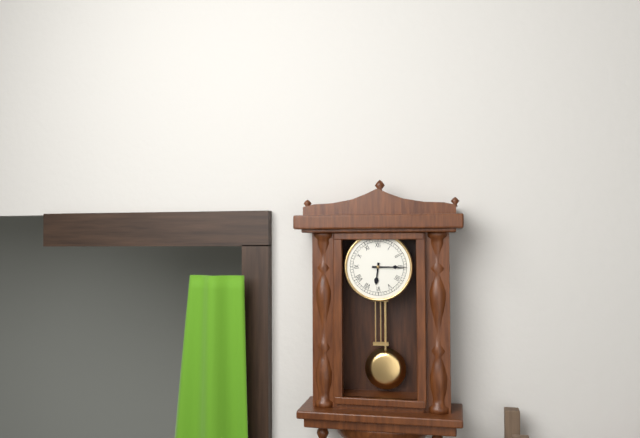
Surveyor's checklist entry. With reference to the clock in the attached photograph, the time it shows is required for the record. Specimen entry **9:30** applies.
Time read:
**6:15**
